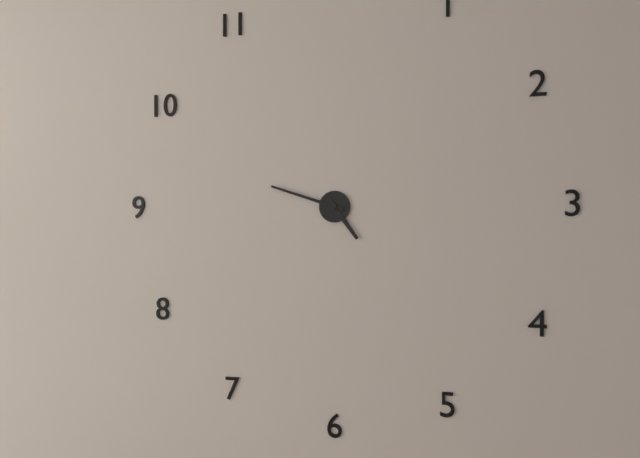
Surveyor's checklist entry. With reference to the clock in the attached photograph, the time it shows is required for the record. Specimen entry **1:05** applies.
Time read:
**4:48**
